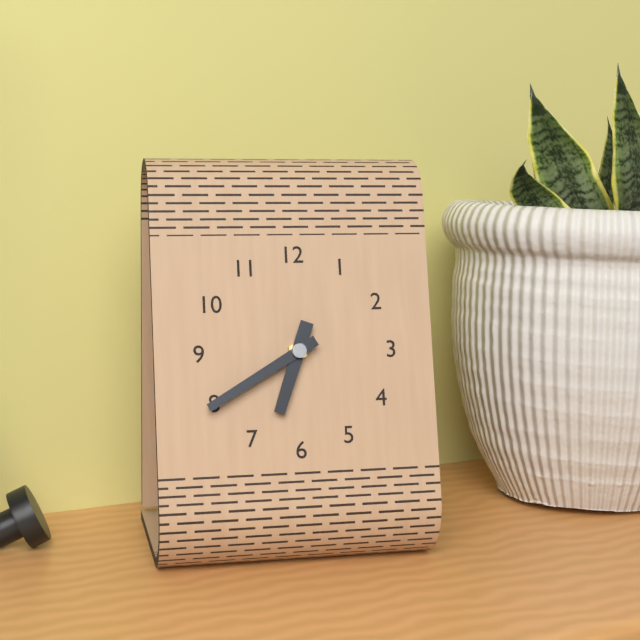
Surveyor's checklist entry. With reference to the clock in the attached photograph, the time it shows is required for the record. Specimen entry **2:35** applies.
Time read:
**6:40**
